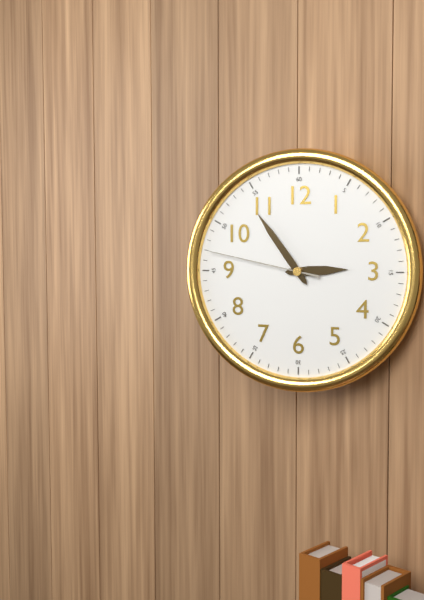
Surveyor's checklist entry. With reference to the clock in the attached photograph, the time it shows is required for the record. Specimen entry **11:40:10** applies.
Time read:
**2:54:47**
